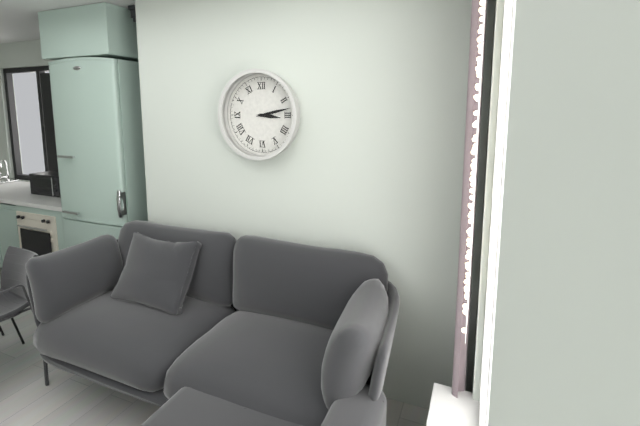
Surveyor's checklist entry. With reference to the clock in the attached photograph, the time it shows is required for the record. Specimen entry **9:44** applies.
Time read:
**3:13**
